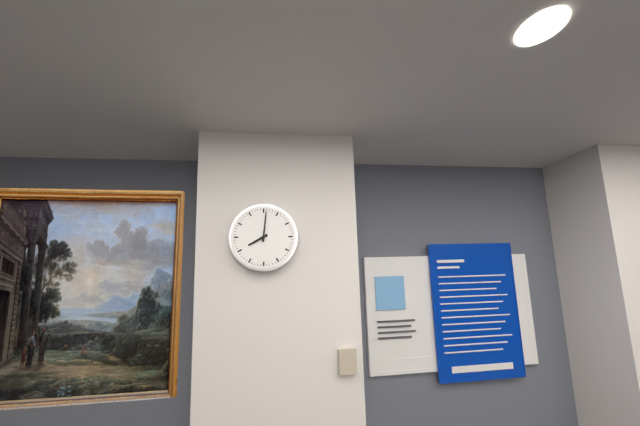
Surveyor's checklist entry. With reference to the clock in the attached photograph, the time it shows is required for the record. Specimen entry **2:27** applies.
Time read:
**8:01**
